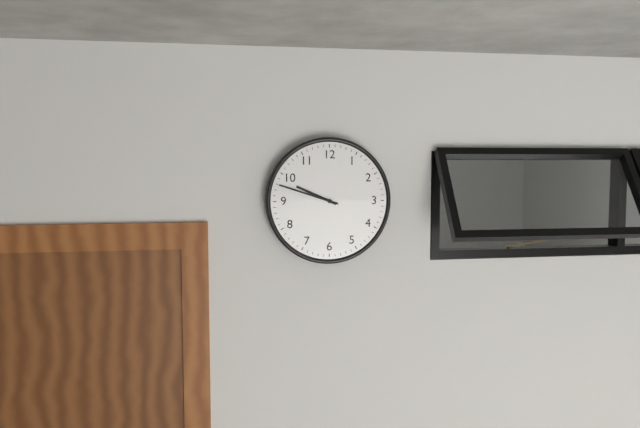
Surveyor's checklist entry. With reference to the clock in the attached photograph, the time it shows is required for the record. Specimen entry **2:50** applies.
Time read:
**9:48**
